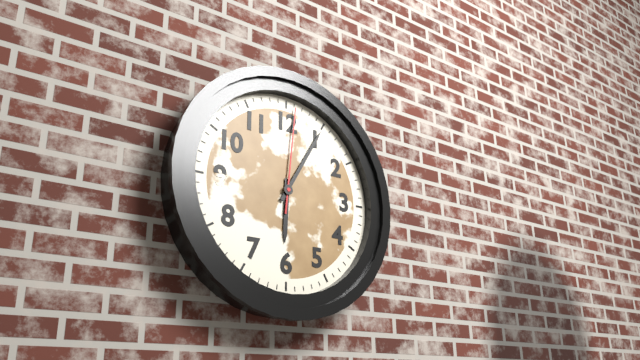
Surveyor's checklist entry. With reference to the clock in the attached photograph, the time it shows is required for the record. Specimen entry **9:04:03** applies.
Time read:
**6:05:01**
